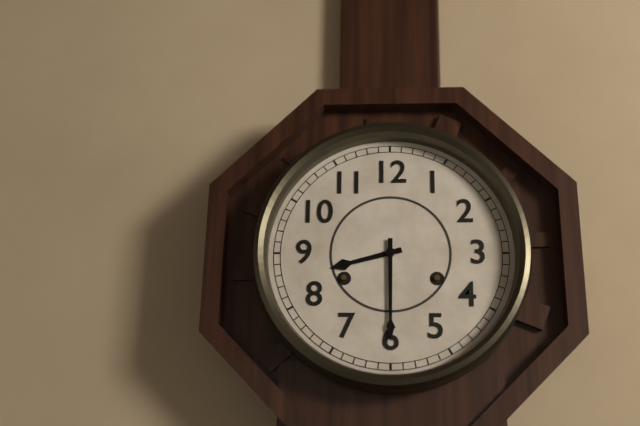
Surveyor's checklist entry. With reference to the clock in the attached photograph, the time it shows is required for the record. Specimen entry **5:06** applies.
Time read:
**8:30**
